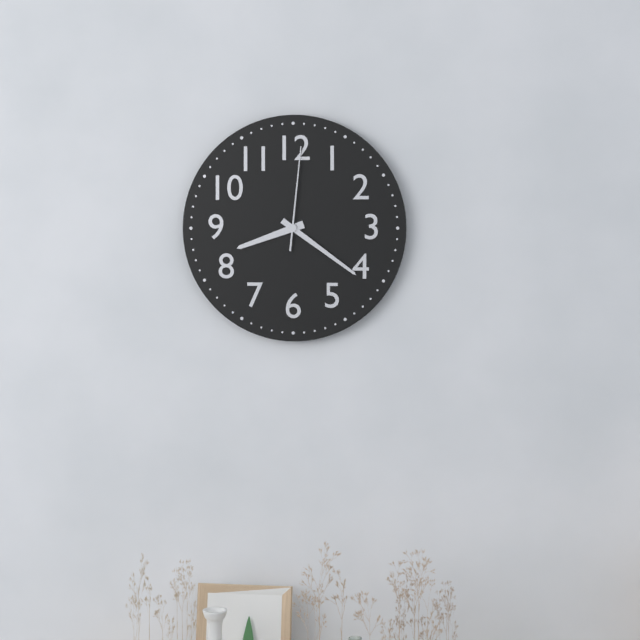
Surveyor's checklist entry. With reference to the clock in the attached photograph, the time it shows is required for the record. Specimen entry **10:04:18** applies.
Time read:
**8:21:01**
